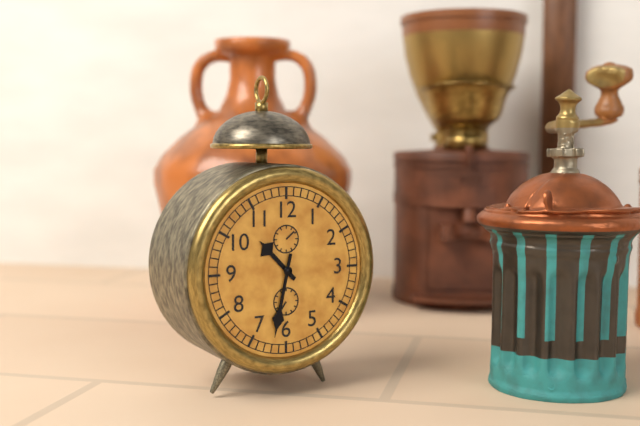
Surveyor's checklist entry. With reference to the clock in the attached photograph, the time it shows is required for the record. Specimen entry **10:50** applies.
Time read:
**10:32**
